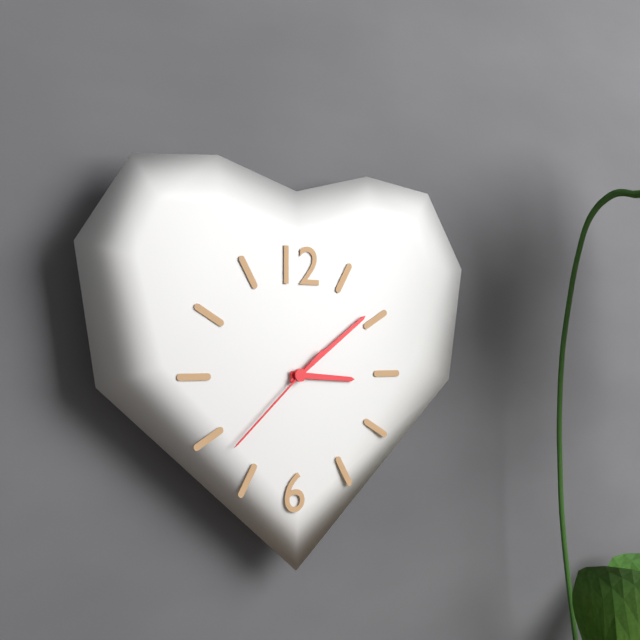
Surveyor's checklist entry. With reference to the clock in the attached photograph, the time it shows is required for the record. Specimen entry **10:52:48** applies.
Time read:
**3:09:38**
